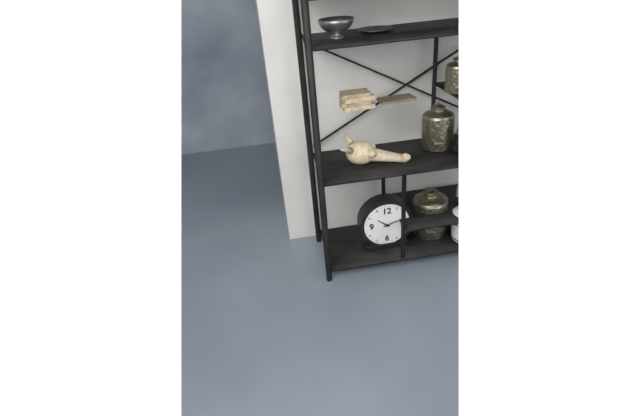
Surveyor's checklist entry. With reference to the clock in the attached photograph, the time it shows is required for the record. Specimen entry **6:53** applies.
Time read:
**10:12**
